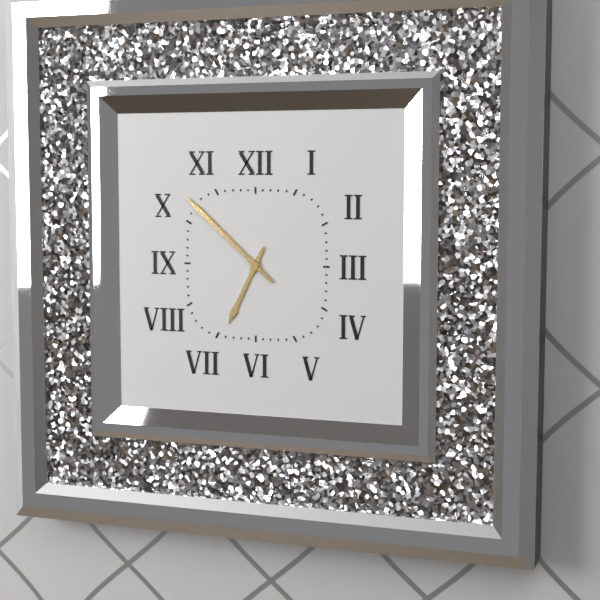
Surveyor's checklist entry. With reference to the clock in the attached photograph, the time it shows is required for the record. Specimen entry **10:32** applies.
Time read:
**6:52**
